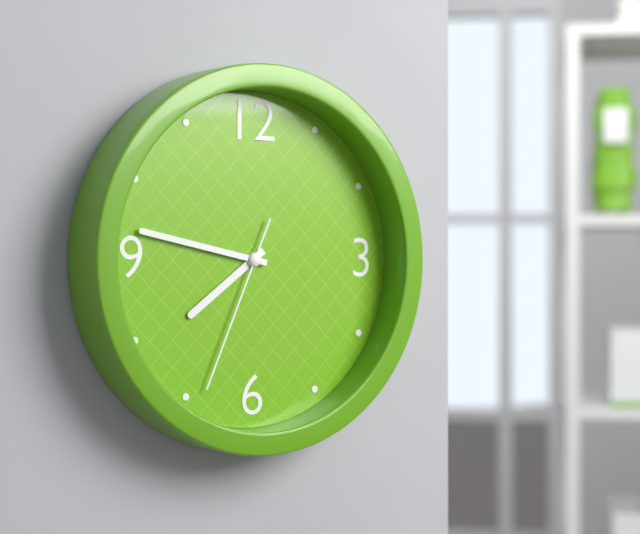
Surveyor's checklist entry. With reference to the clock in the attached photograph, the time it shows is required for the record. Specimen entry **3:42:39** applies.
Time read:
**7:47:34**
